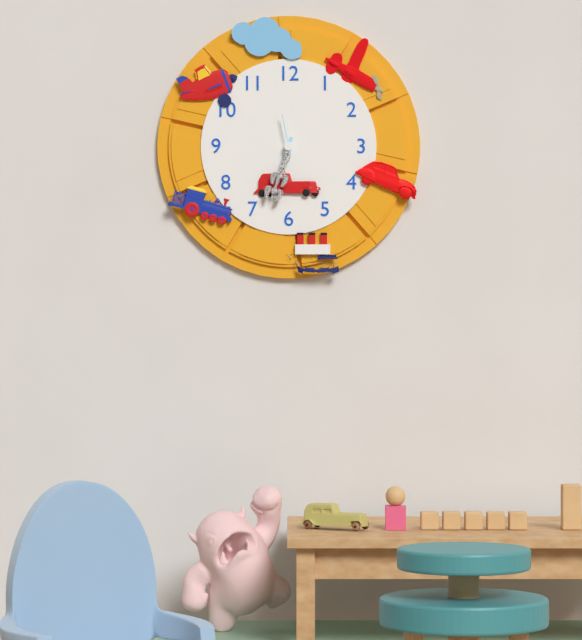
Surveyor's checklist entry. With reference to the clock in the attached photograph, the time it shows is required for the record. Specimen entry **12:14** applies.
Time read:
**6:33**
